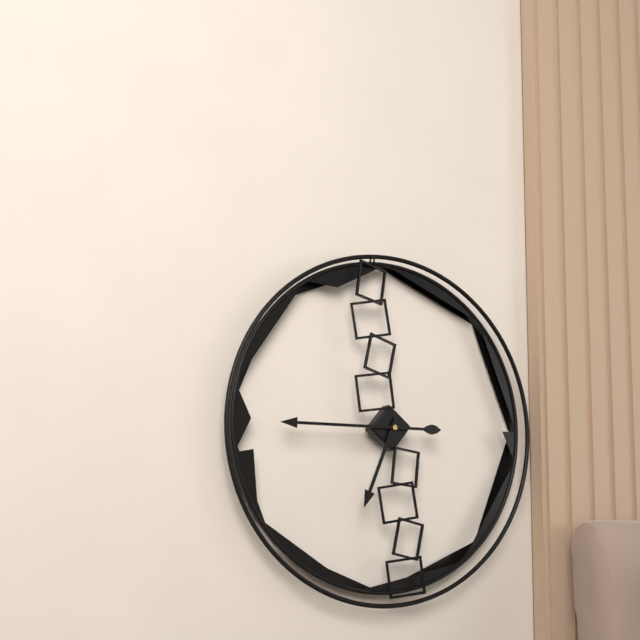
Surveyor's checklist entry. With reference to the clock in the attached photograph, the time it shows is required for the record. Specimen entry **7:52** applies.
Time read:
**6:45**
